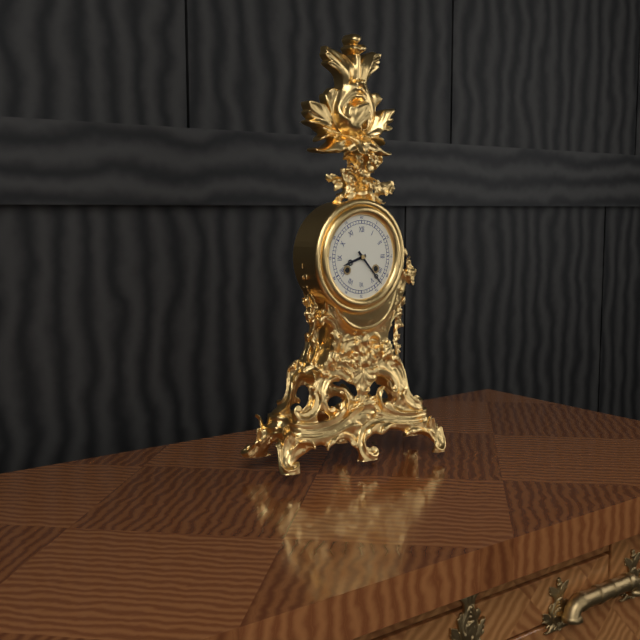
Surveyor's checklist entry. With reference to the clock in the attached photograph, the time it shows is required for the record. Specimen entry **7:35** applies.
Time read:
**8:23**
